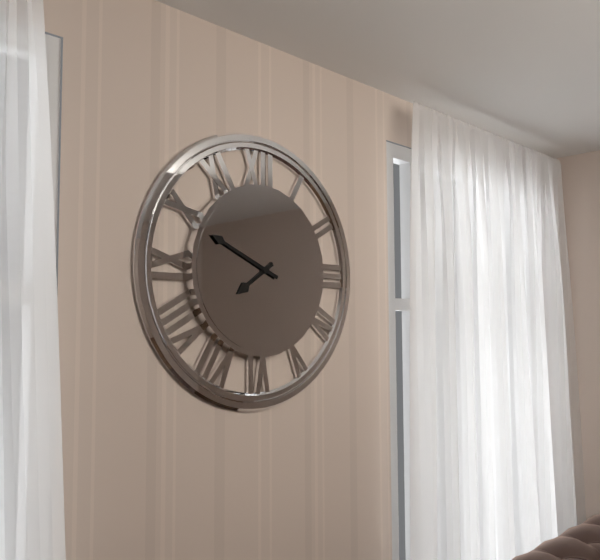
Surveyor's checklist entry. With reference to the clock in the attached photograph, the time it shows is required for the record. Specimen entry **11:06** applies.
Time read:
**7:49**
